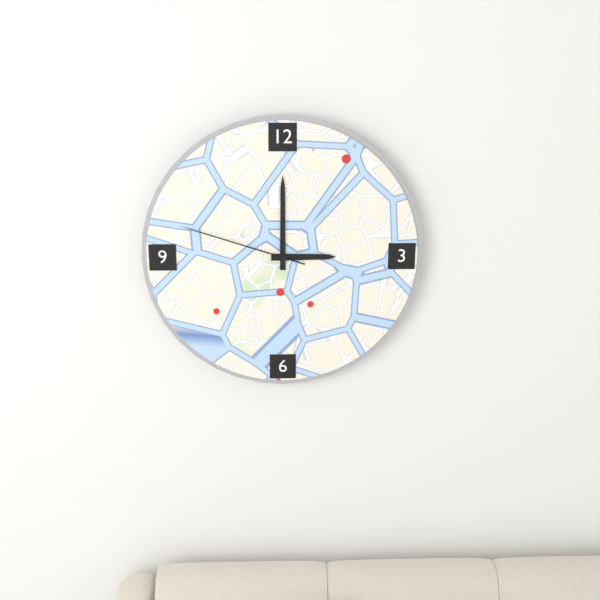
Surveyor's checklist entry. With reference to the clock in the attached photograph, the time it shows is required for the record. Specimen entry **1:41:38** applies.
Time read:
**3:00:48**
